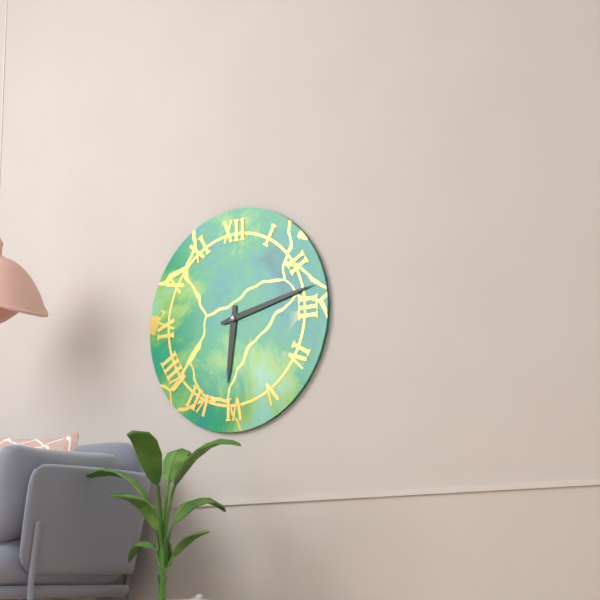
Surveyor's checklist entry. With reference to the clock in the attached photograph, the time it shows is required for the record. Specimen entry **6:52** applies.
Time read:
**6:13**
